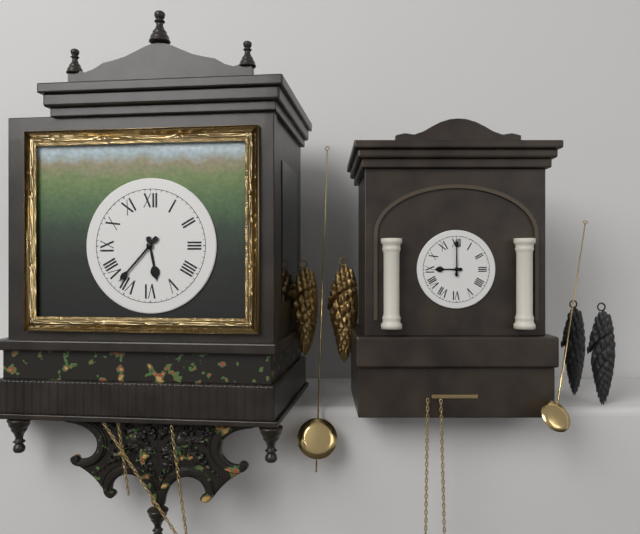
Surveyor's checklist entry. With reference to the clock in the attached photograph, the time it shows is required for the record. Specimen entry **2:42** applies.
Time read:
**5:37**
